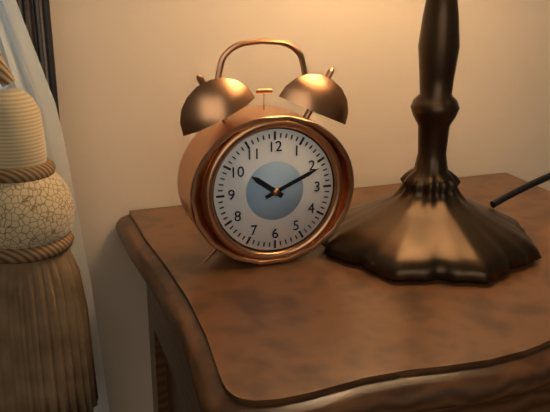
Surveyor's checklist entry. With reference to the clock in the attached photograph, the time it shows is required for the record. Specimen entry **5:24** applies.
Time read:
**10:11**
